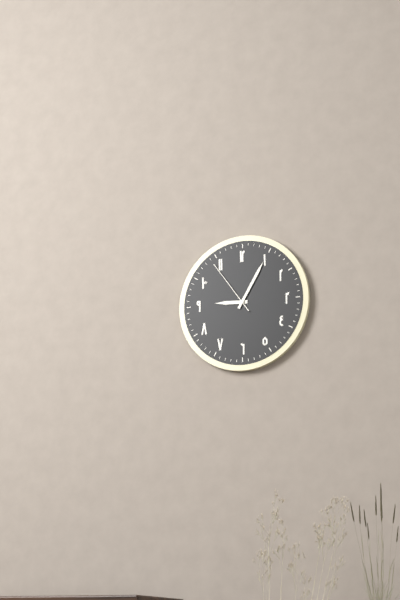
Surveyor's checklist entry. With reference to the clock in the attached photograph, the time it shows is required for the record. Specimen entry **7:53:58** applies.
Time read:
**9:05:54**
